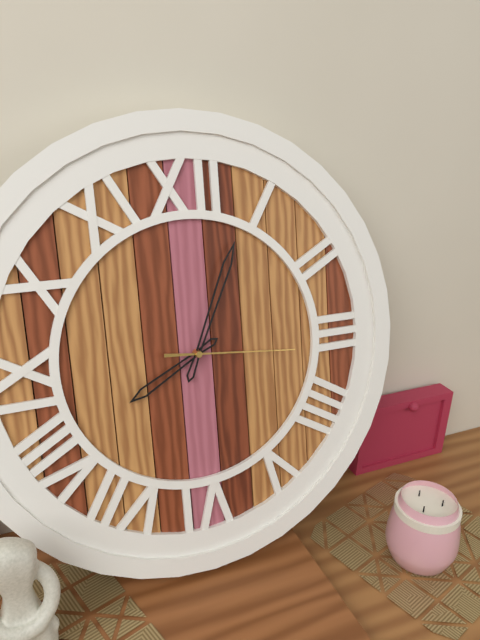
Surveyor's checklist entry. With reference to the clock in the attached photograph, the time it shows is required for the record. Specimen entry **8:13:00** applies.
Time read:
**8:04:16**
